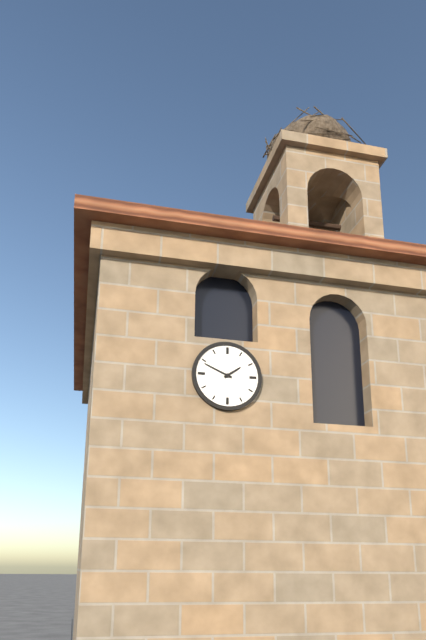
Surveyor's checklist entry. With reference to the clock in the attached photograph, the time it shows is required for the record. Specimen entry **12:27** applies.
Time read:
**1:49**
